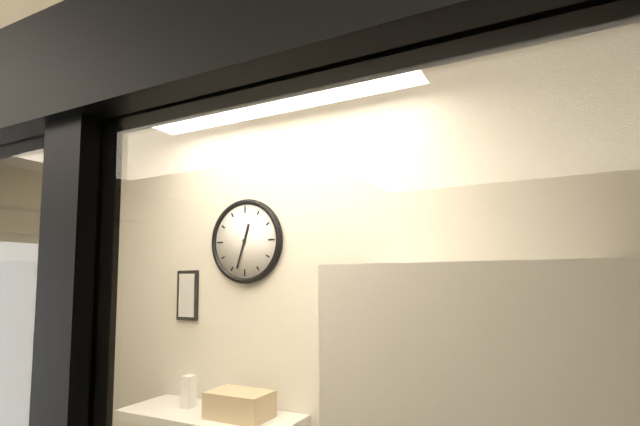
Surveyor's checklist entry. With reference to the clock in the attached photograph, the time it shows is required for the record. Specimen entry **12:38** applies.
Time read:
**12:33**
